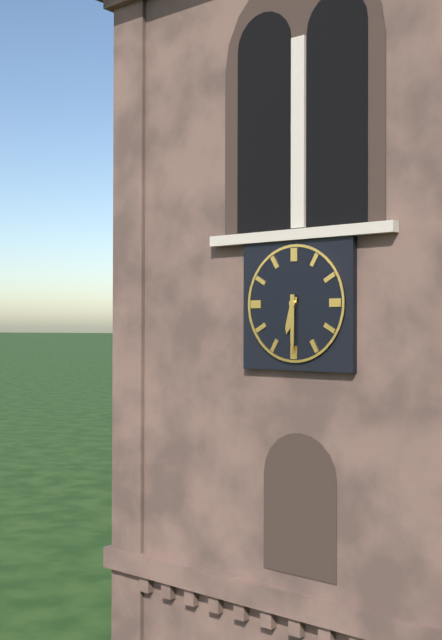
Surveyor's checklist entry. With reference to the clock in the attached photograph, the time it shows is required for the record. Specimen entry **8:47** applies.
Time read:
**6:30**
